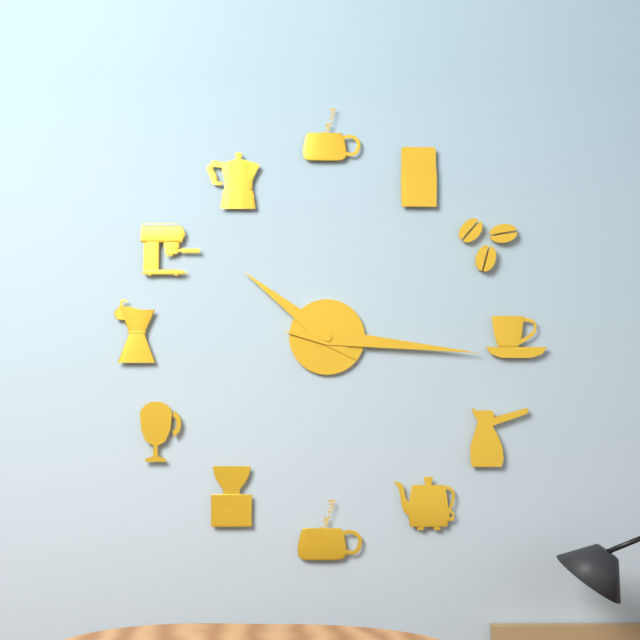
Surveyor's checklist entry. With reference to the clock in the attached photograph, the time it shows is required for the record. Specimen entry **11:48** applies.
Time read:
**10:16**
